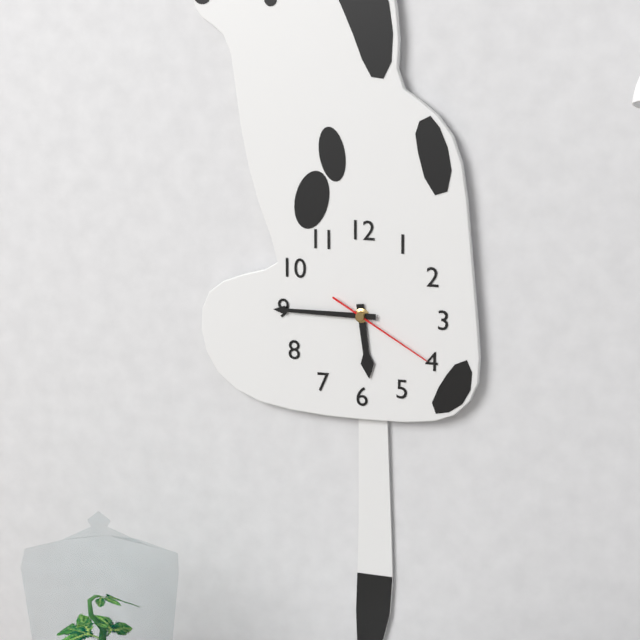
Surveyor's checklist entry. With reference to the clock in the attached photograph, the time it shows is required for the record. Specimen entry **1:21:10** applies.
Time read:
**5:45:20**
